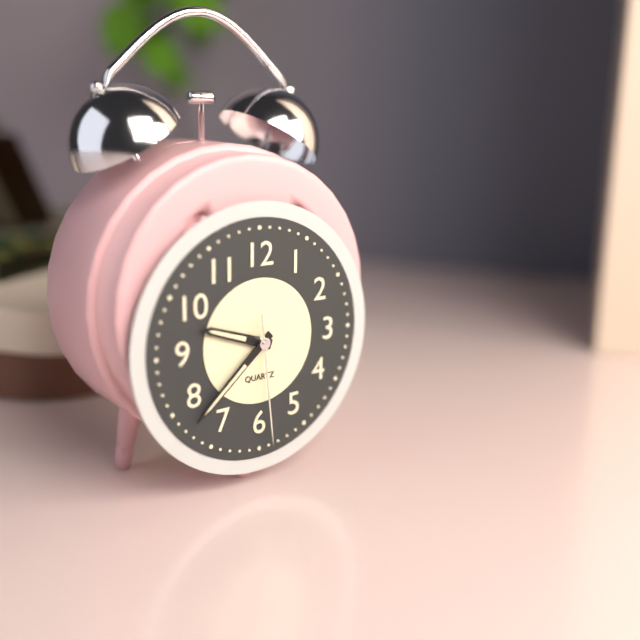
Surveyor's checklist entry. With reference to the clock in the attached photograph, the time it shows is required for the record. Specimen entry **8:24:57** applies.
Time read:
**9:38:29**
